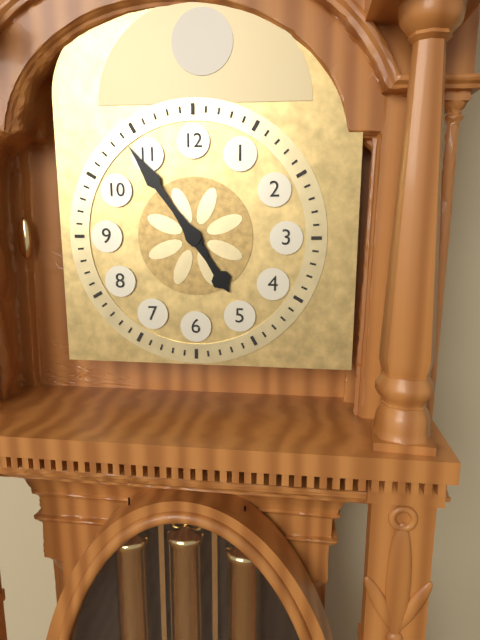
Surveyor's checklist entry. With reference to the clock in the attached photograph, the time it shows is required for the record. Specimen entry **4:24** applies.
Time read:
**4:54**
